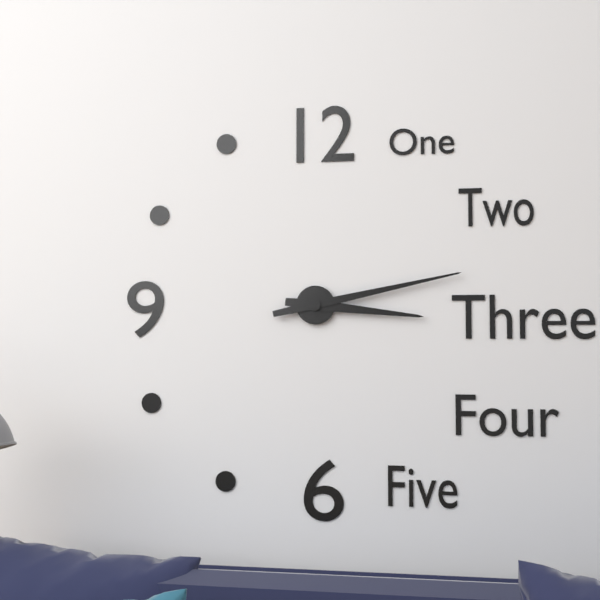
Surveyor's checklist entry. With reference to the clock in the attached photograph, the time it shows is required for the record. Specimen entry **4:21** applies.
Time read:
**3:13**
